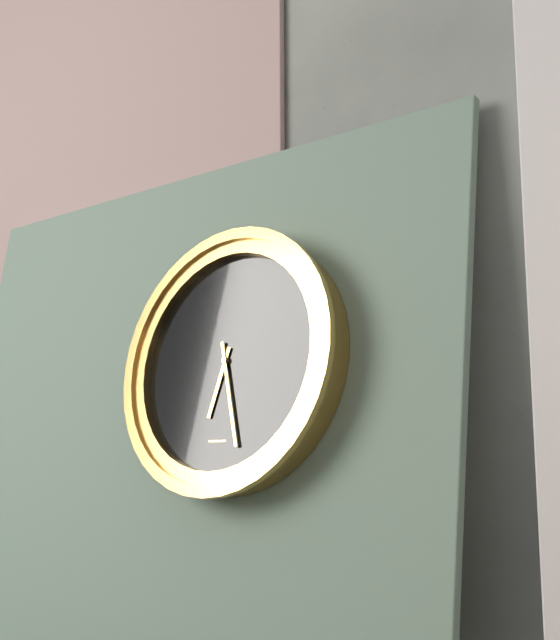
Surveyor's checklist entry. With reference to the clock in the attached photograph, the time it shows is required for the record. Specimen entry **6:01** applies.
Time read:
**6:27**
